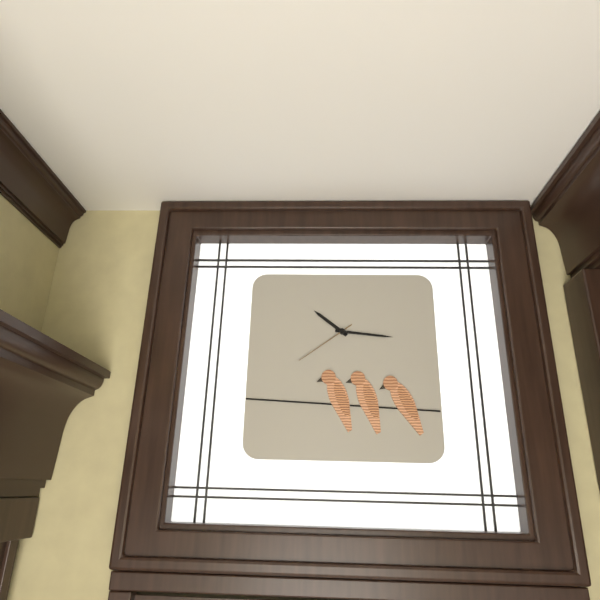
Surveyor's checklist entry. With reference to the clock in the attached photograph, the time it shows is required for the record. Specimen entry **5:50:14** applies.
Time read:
**10:16:39**
